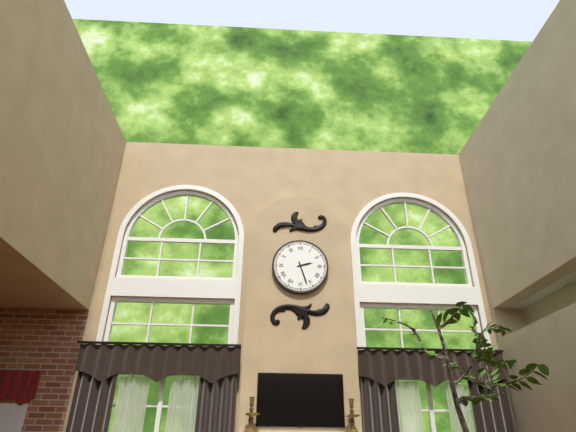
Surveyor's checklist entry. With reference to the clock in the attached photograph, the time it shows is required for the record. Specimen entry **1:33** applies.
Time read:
**2:27**
